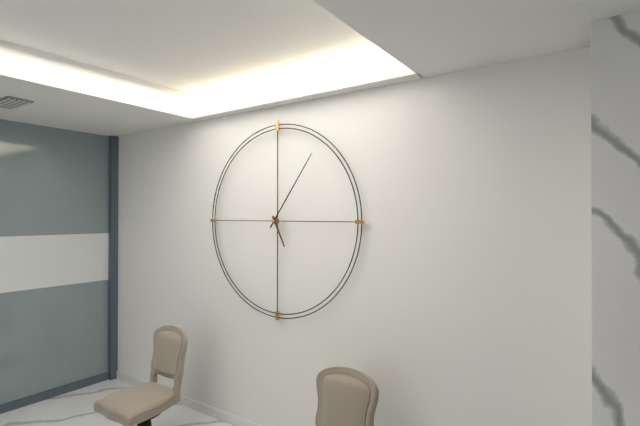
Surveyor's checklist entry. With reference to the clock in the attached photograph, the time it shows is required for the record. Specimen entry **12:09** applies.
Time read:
**5:06**
